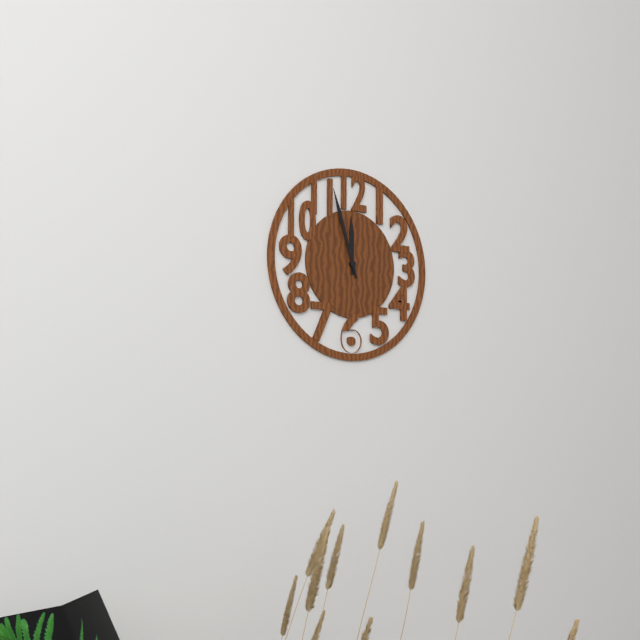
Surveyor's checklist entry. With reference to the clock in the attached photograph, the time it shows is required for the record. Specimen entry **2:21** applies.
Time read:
**11:57**
